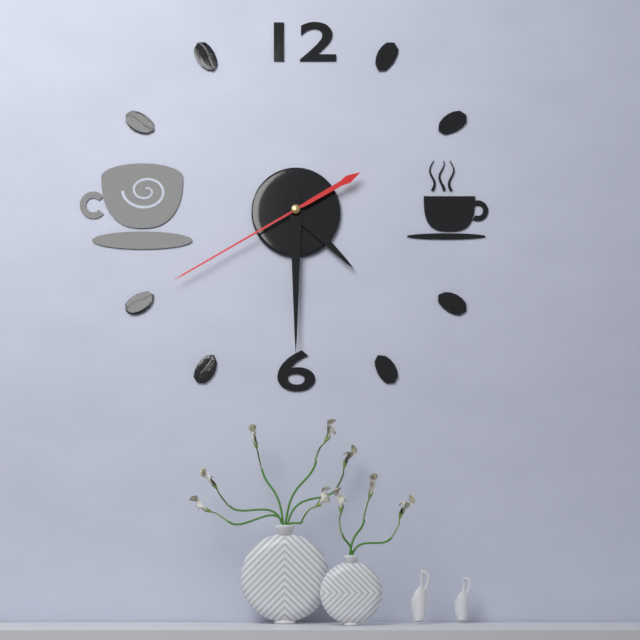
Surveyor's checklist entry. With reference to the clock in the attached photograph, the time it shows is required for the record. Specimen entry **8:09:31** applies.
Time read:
**4:30:40**
